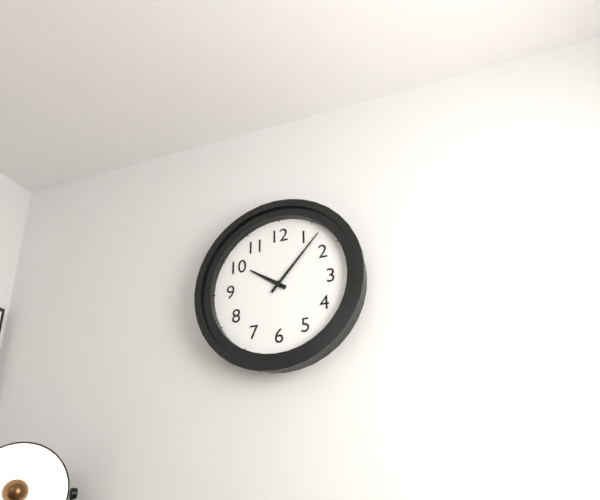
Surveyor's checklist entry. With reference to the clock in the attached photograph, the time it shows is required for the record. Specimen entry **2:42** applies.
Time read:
**10:07**
